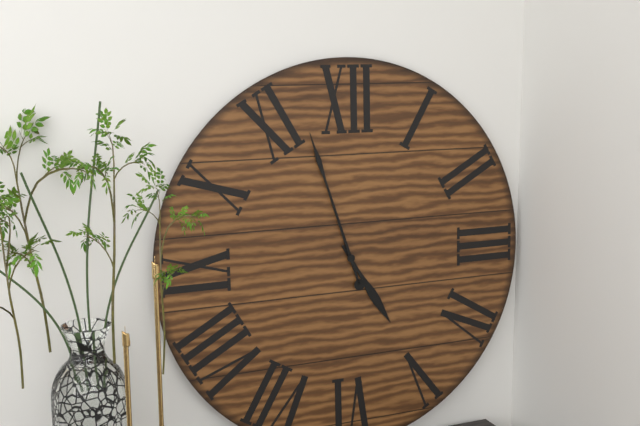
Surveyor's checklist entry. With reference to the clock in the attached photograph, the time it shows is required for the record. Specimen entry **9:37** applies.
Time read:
**4:57**
